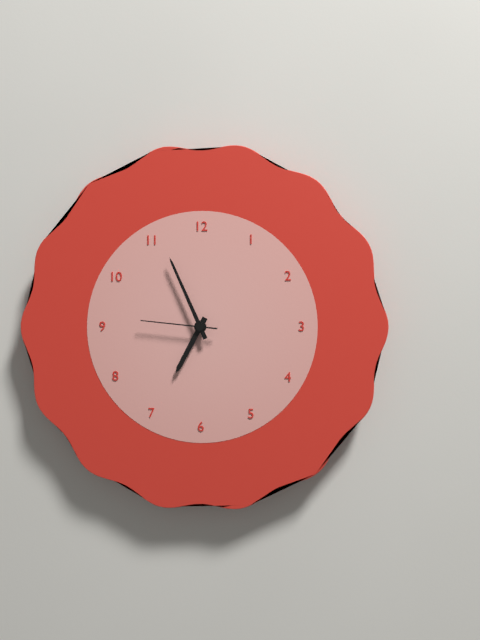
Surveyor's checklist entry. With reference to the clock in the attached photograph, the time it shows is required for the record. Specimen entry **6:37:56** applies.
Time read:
**6:56:46**
